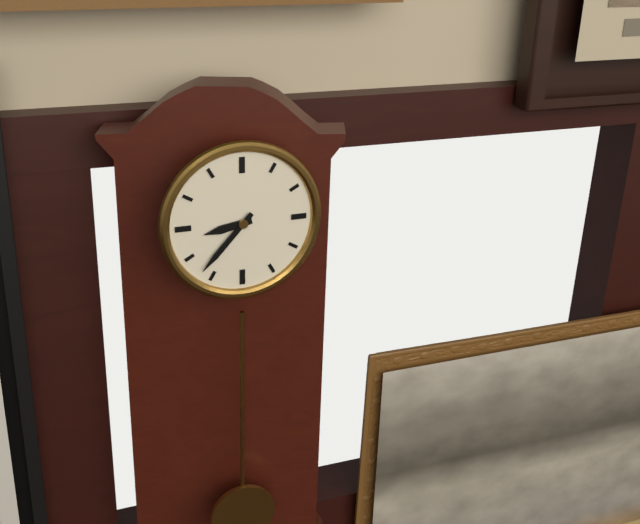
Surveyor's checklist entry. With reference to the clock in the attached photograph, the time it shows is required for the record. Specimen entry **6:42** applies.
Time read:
**8:37**
